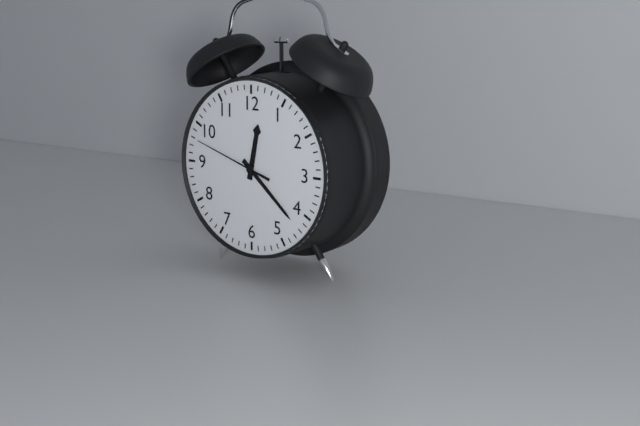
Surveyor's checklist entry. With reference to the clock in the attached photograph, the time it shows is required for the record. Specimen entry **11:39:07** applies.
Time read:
**12:22:48**
